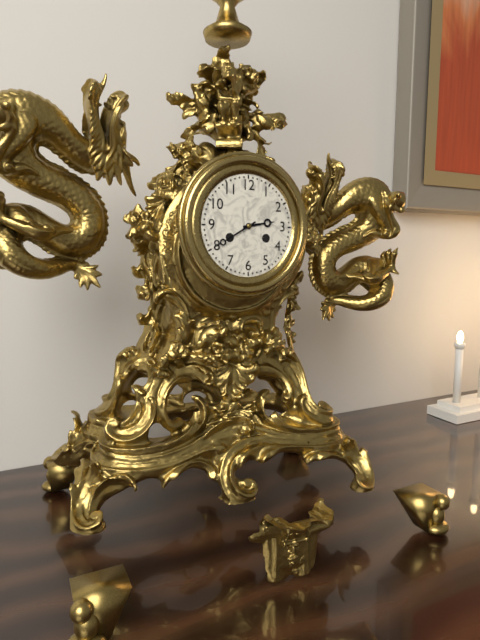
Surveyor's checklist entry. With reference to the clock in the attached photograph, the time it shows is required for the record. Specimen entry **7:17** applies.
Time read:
**2:40**
